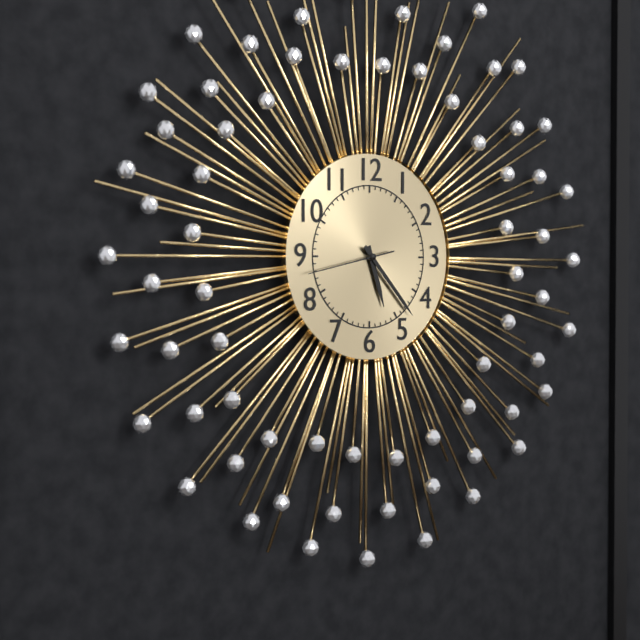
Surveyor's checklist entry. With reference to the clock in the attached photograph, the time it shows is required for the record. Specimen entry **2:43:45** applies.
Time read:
**5:23:43**
